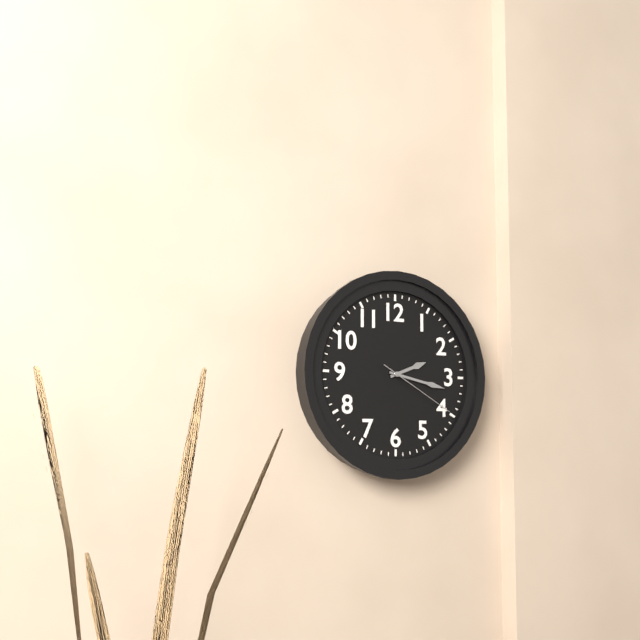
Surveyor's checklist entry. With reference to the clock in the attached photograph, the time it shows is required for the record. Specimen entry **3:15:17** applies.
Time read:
**2:17:20**
